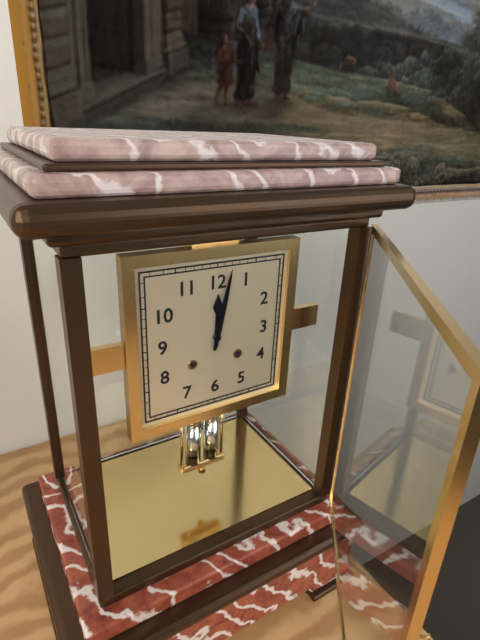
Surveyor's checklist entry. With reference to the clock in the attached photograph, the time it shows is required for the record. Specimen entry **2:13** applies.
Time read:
**12:02**
